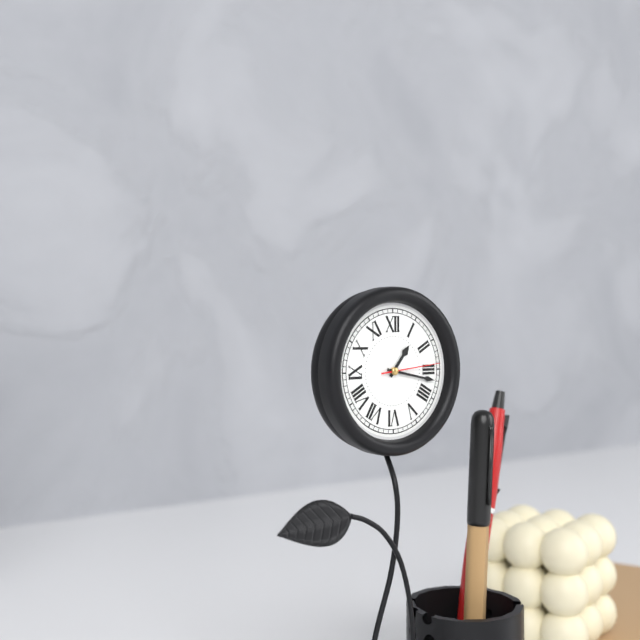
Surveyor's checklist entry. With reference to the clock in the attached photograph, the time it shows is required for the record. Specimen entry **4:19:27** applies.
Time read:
**1:17:14**
